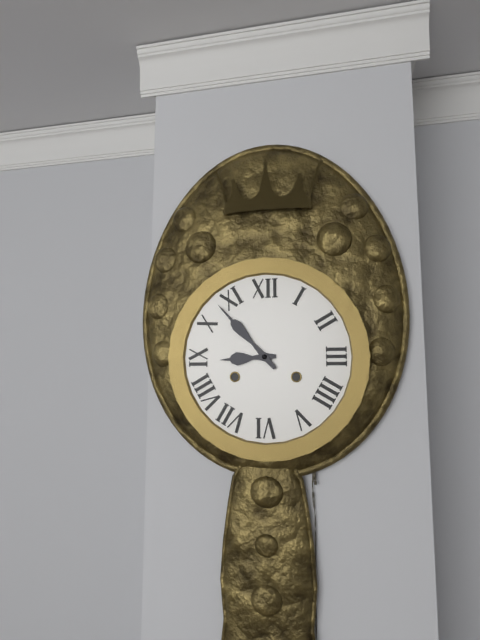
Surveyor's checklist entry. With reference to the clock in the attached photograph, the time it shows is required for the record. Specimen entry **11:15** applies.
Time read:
**8:53**
